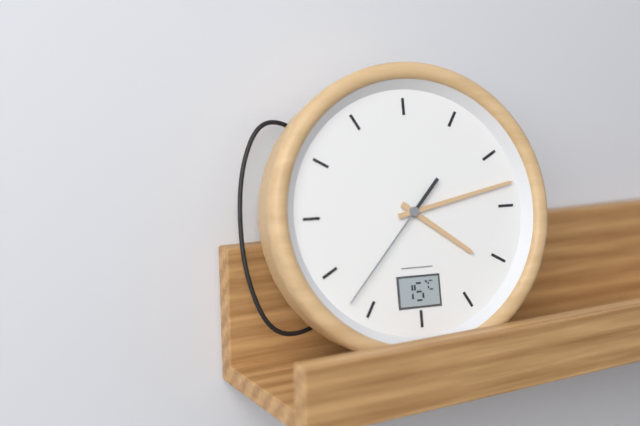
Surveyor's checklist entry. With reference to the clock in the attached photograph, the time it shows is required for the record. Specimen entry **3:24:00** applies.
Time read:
**4:13:37**
